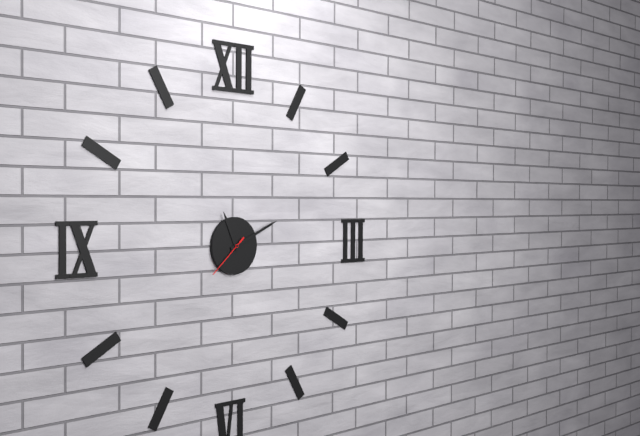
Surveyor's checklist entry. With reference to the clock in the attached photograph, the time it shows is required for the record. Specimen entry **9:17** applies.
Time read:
**11:11**
